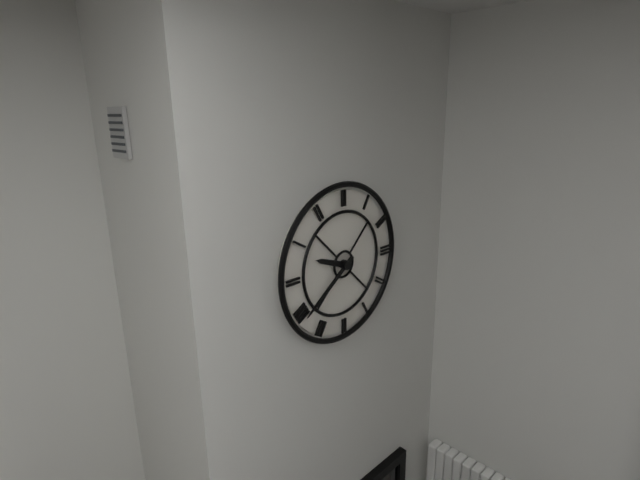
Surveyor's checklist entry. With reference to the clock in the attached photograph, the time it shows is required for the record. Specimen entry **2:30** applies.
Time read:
**9:39**
